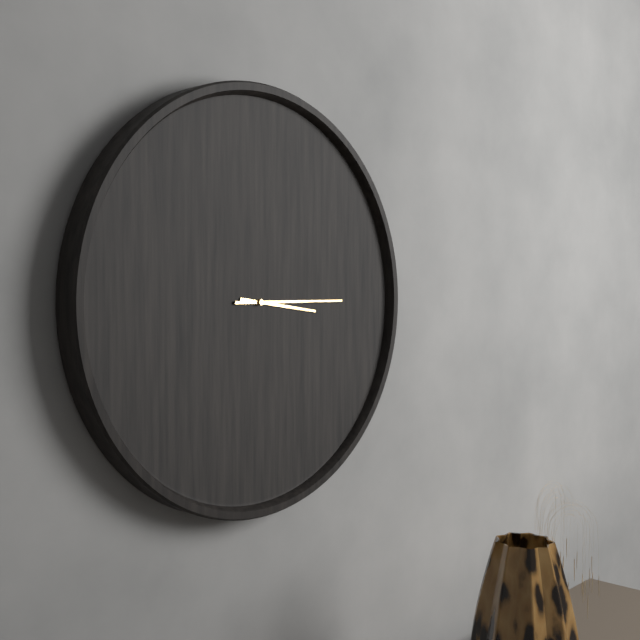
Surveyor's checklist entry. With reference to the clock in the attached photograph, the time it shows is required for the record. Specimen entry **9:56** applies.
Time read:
**3:15**
